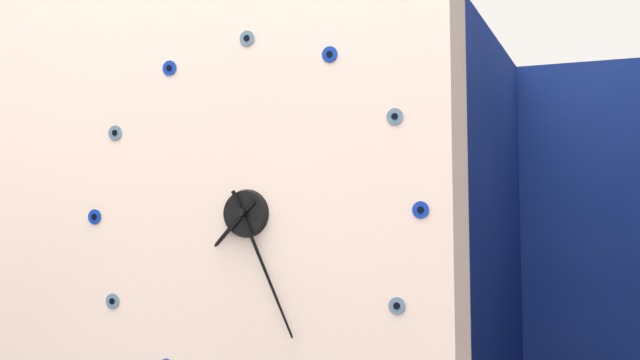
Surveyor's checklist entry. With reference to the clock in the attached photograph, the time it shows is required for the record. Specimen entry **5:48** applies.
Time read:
**7:26**
